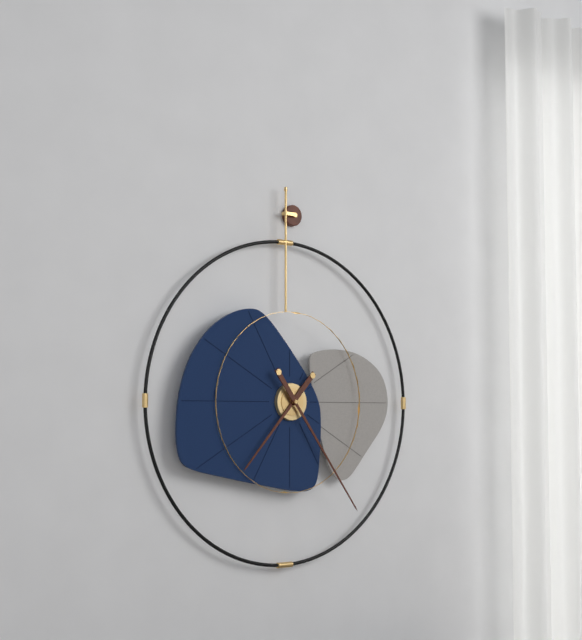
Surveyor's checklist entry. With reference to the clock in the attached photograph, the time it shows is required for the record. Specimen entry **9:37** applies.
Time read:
**7:24**
